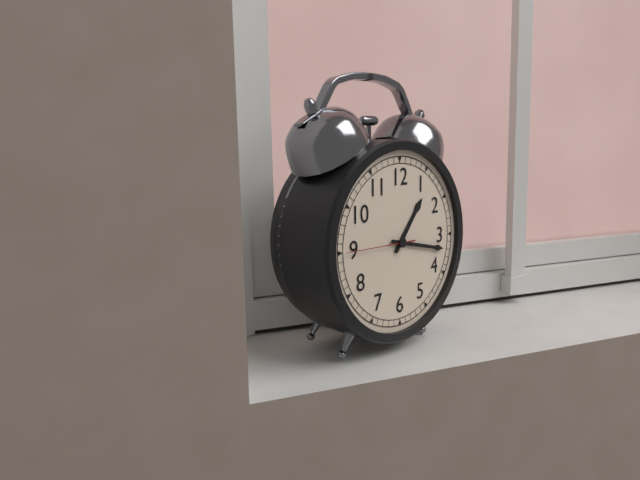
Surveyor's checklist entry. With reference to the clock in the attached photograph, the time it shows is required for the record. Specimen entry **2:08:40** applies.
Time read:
**1:17:45**
